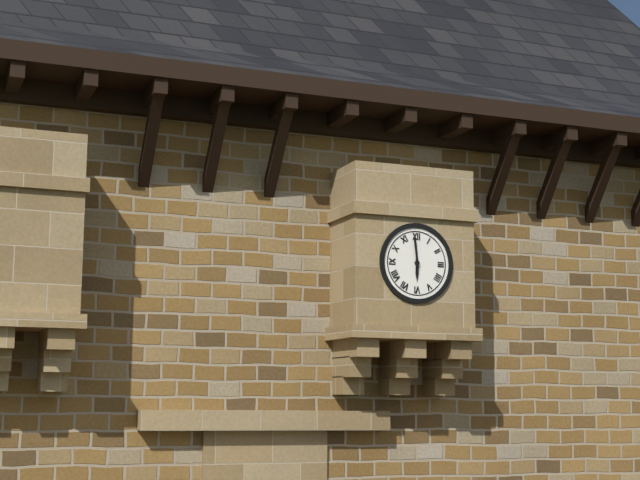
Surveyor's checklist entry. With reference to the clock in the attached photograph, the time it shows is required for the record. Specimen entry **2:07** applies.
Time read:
**5:59**
